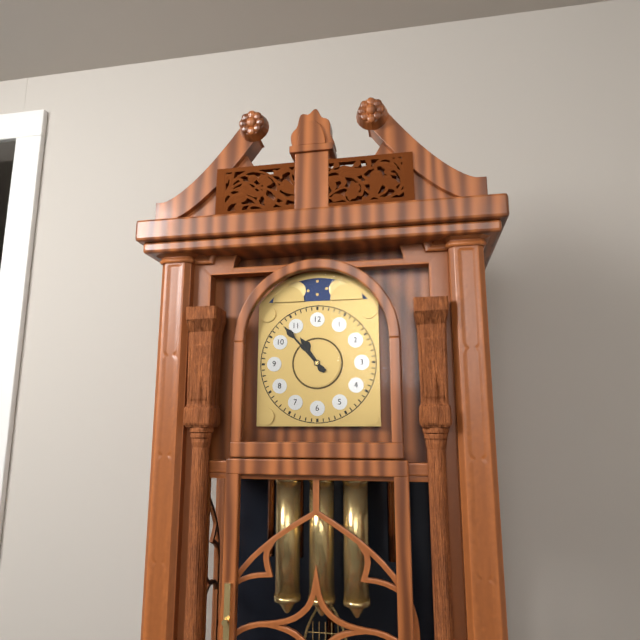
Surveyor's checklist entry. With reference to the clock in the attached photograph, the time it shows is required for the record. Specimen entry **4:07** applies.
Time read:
**10:53**
